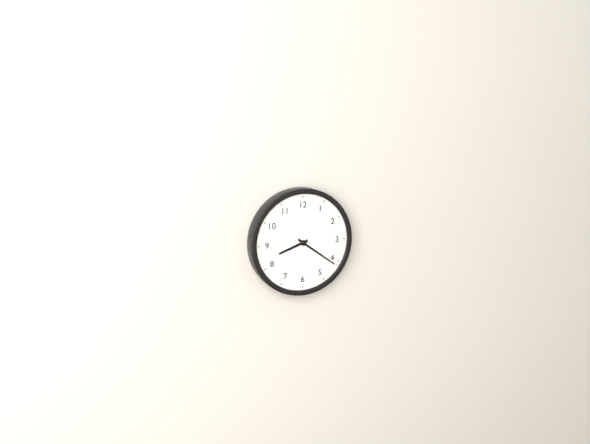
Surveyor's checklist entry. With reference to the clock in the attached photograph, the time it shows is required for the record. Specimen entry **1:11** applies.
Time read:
**8:21**
